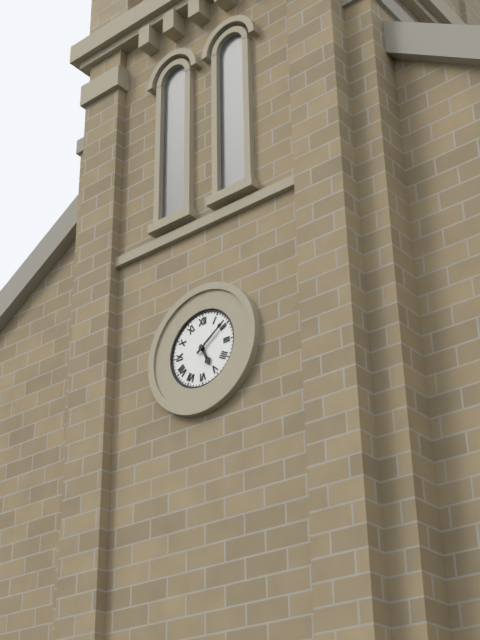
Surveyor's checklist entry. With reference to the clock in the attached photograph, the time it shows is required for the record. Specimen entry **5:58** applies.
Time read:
**5:09**
